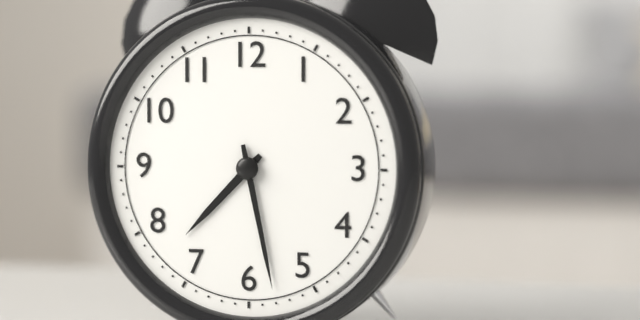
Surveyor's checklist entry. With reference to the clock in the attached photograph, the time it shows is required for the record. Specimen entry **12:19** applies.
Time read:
**7:28**
